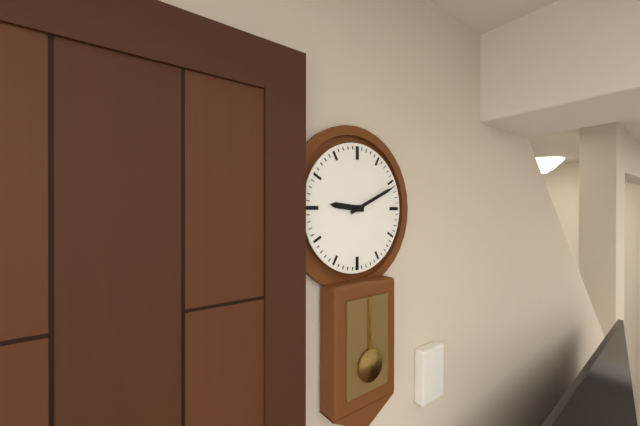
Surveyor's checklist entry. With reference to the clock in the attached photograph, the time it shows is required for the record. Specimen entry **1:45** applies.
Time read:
**9:11**
